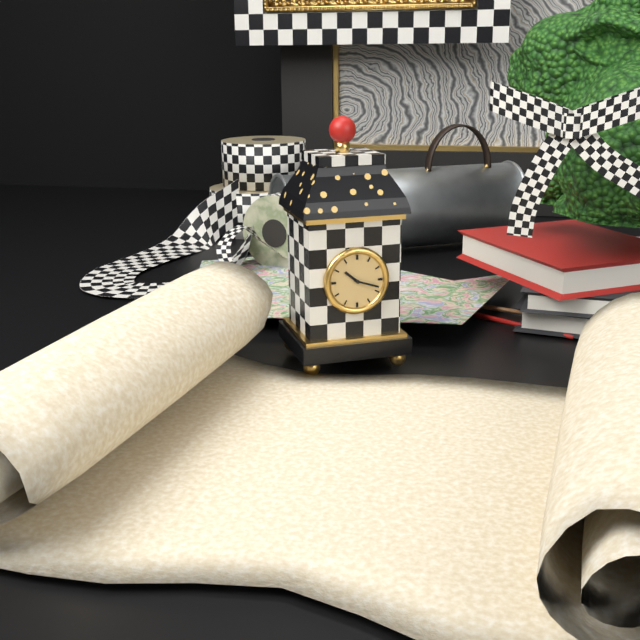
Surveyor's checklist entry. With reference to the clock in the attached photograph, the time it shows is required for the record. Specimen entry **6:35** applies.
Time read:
**10:18**
